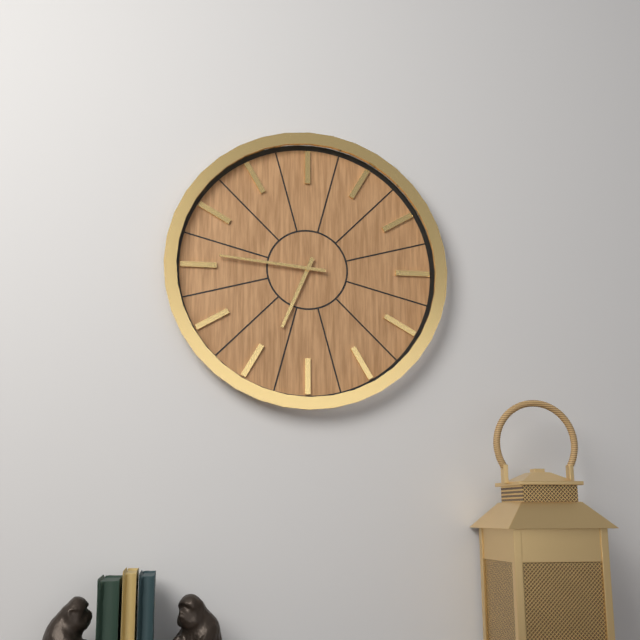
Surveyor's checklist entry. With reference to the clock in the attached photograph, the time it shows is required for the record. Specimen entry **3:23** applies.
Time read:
**6:46**
